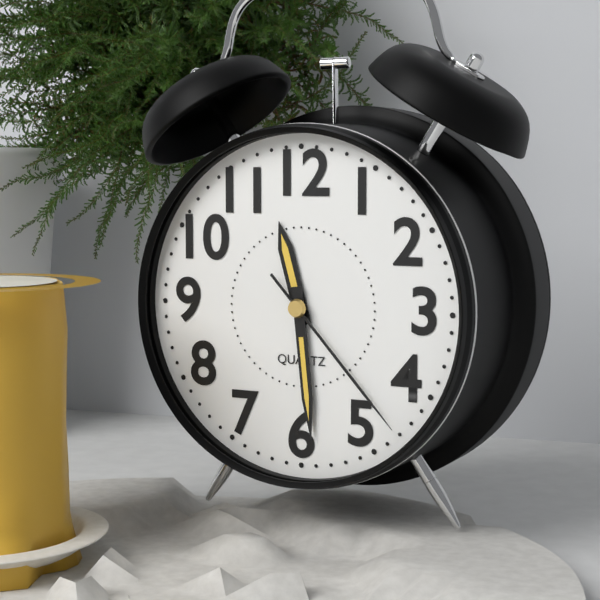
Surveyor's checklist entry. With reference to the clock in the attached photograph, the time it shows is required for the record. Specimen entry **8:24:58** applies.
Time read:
**11:29:23**
